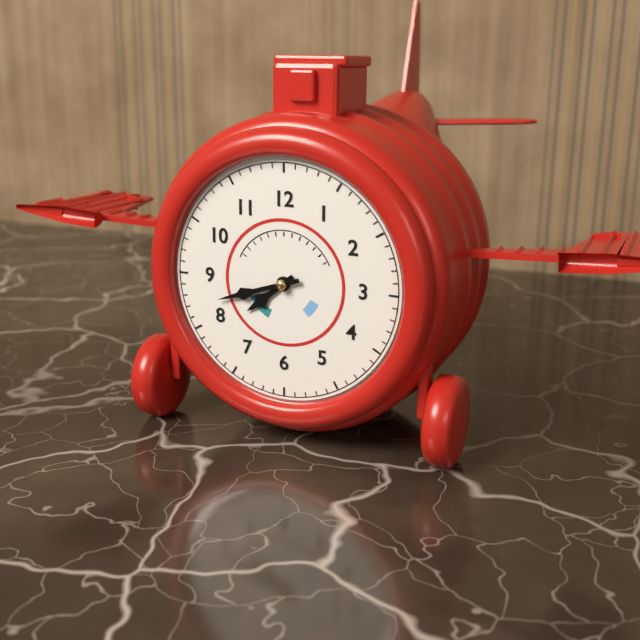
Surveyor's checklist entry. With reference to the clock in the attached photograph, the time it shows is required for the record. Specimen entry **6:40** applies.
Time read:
**7:42**
